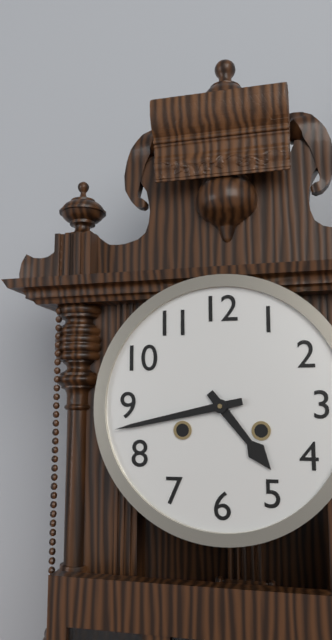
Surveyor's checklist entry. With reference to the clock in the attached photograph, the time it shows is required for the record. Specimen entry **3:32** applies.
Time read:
**4:43**
